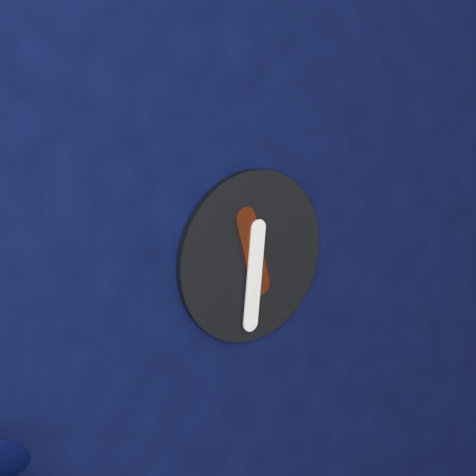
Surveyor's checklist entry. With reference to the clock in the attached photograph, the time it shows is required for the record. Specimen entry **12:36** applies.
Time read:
**11:31**
